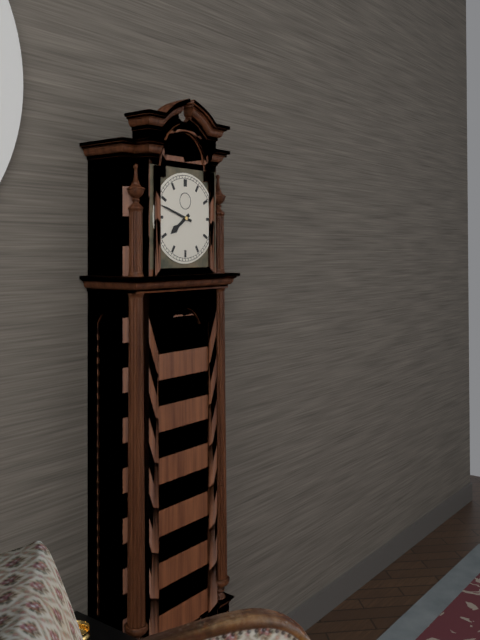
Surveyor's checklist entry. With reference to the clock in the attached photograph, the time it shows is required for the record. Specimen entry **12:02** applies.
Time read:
**7:48**
